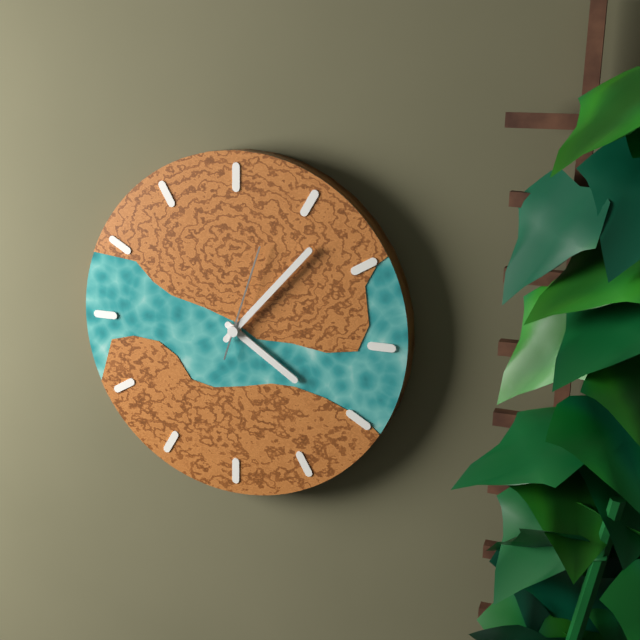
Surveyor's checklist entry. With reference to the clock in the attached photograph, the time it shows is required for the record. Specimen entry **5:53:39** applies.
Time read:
**4:07:03**
